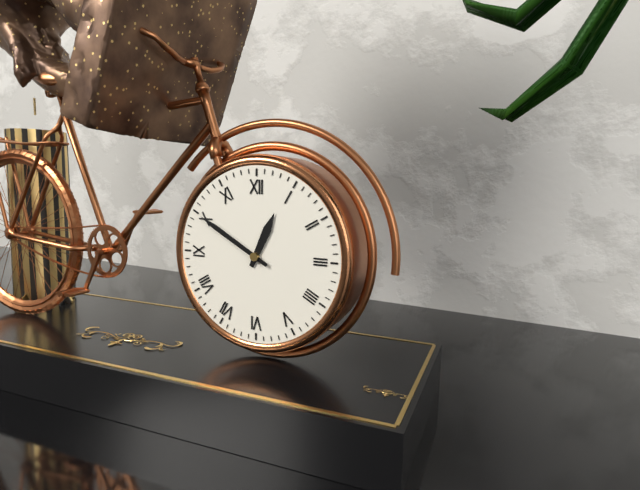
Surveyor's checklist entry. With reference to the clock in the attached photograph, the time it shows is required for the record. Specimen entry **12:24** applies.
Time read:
**12:50**
